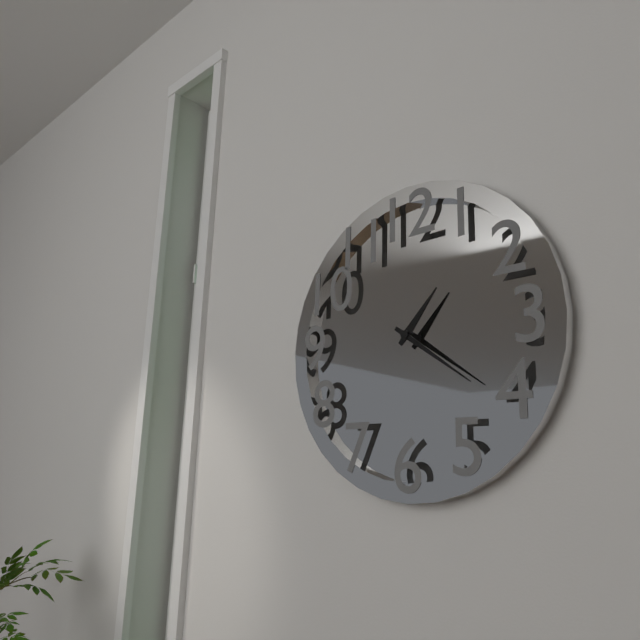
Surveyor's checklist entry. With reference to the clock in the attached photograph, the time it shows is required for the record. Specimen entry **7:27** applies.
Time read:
**1:21**
